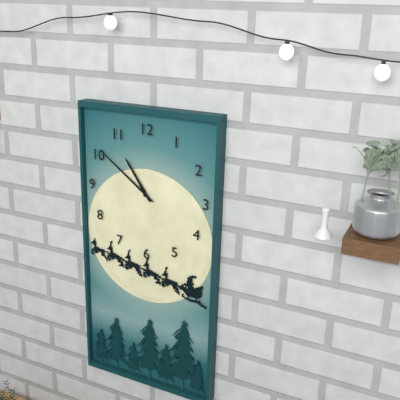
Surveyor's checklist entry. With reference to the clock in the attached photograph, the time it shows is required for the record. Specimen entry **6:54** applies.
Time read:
**10:51**
